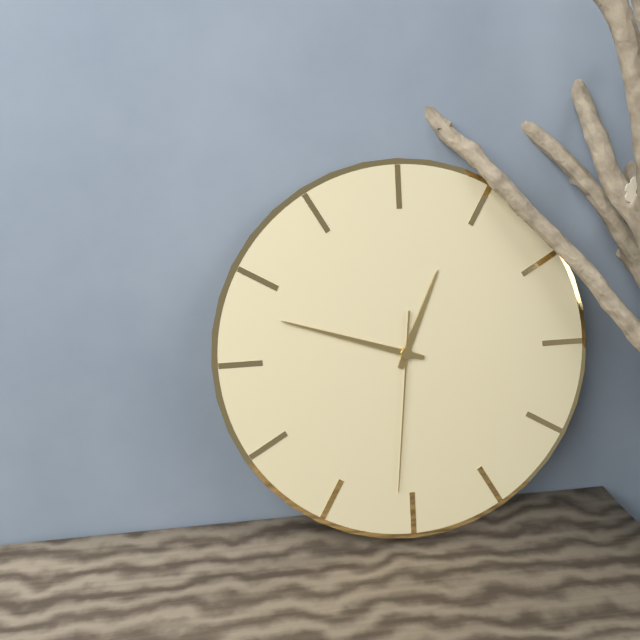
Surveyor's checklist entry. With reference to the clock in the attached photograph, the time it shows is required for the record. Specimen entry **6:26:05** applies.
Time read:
**12:48:31**
